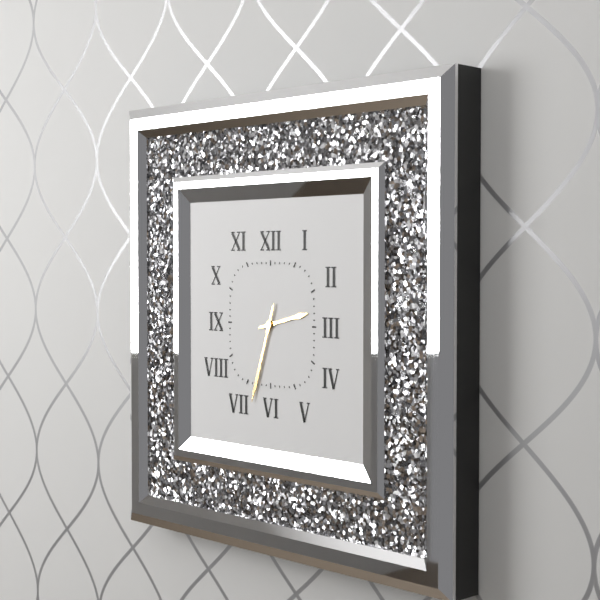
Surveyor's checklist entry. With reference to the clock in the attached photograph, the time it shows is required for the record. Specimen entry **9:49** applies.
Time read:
**2:33**
